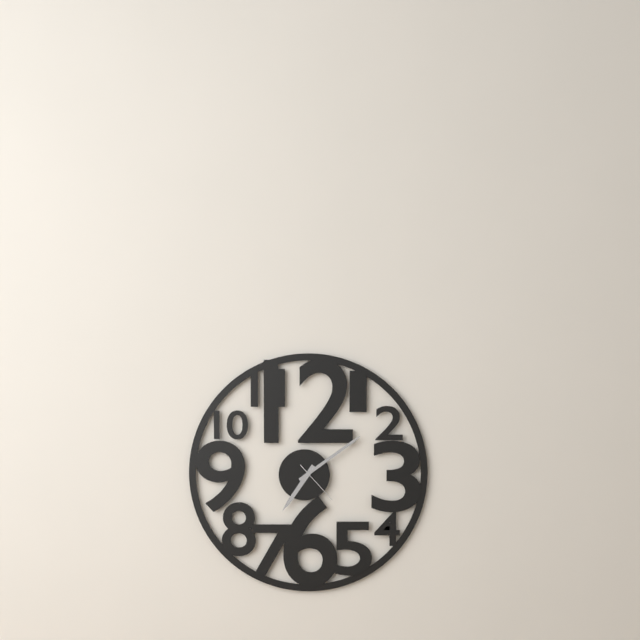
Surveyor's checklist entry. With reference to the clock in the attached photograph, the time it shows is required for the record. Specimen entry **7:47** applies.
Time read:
**7:09**
